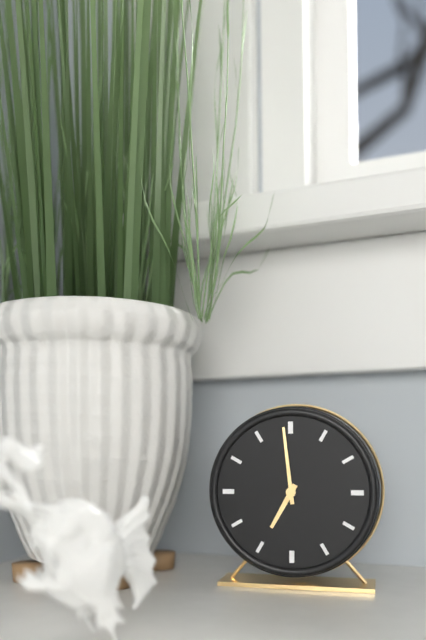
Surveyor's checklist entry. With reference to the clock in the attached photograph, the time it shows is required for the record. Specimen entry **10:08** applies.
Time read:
**6:59**
